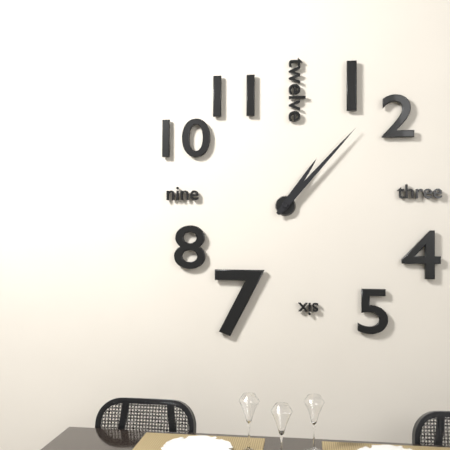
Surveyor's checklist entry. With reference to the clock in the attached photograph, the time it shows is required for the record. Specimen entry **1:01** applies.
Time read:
**1:07**
